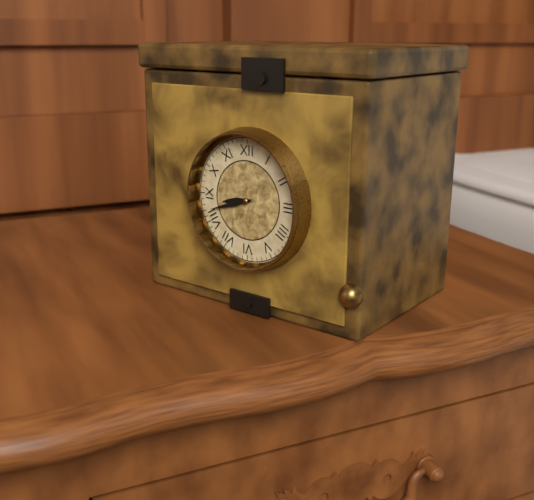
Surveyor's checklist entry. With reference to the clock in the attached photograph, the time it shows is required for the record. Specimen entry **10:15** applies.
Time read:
**8:42**
